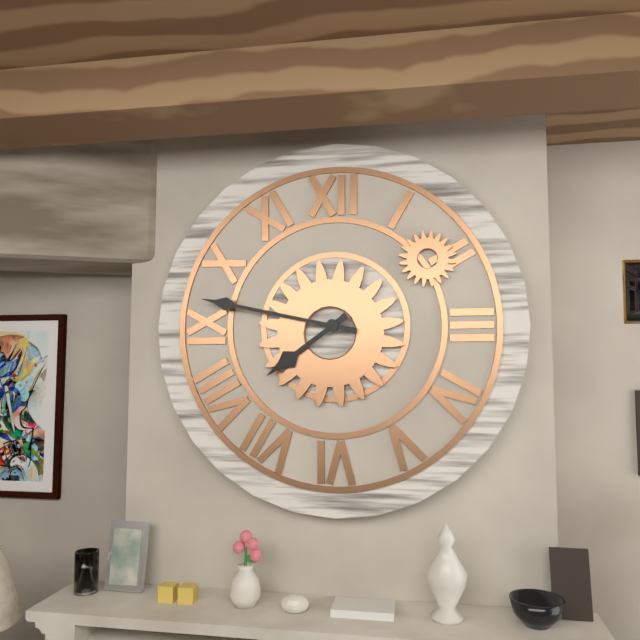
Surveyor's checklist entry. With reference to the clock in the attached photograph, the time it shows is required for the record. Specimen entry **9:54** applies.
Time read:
**7:47**
